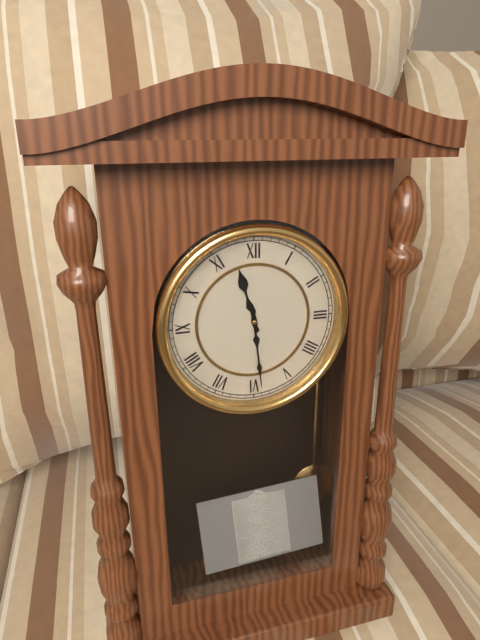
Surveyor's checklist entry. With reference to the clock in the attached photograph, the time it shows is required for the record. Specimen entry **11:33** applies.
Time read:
**11:29**
